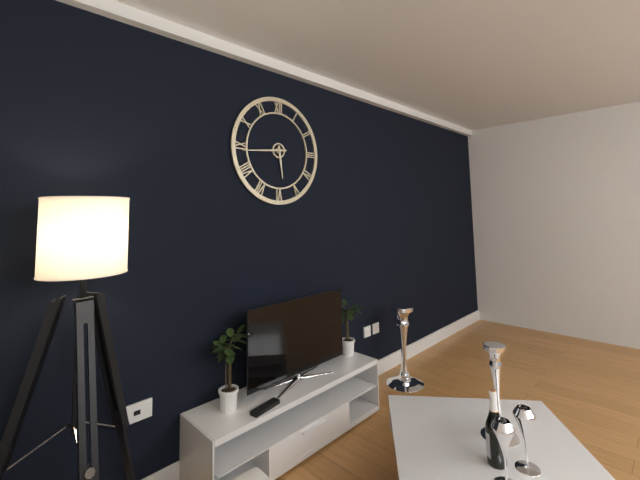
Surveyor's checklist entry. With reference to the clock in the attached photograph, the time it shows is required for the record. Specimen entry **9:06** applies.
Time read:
**5:44**
